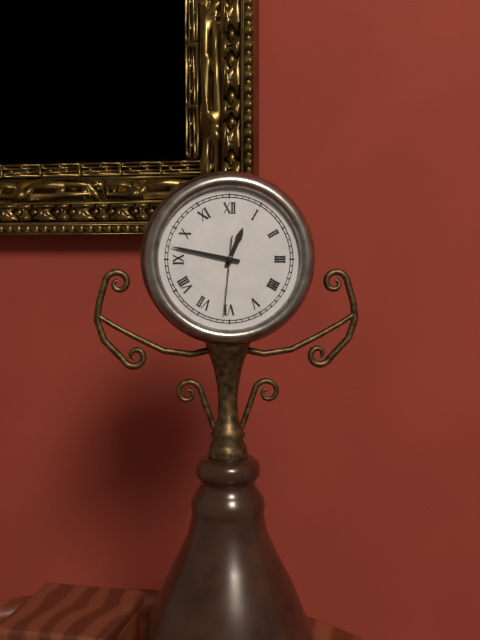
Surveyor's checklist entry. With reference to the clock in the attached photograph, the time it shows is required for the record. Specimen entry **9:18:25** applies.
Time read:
**12:47:31**
